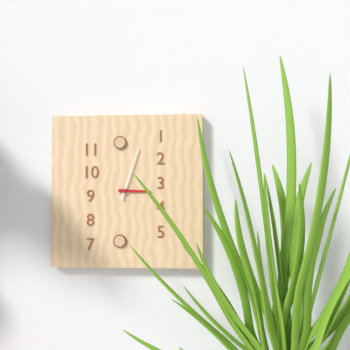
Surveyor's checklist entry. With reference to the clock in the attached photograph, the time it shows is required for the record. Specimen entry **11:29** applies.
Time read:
**3:03**
